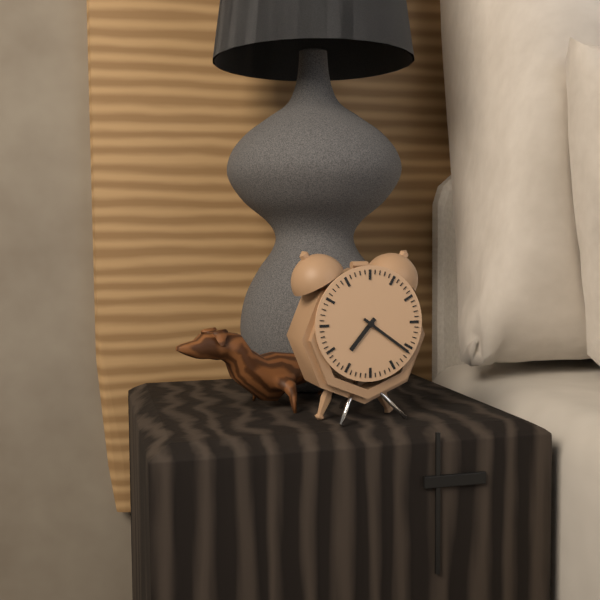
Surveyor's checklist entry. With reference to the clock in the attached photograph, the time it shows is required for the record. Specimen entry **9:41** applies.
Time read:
**7:21**
